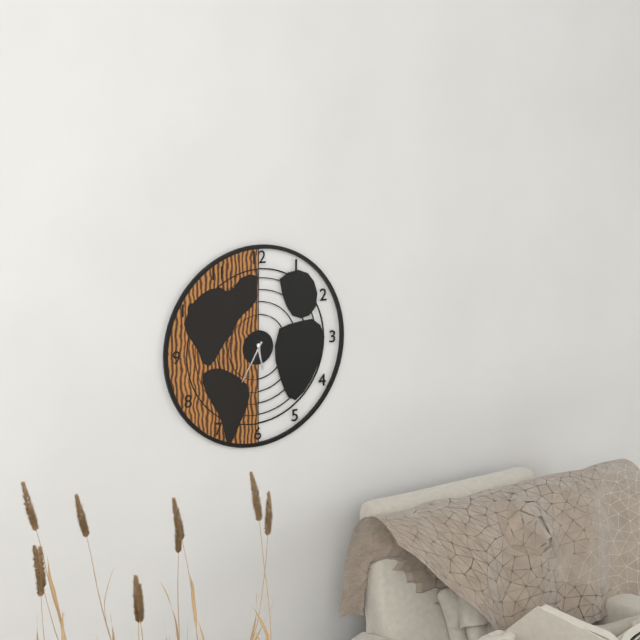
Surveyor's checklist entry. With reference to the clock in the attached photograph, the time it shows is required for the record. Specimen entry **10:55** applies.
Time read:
**5:35**
